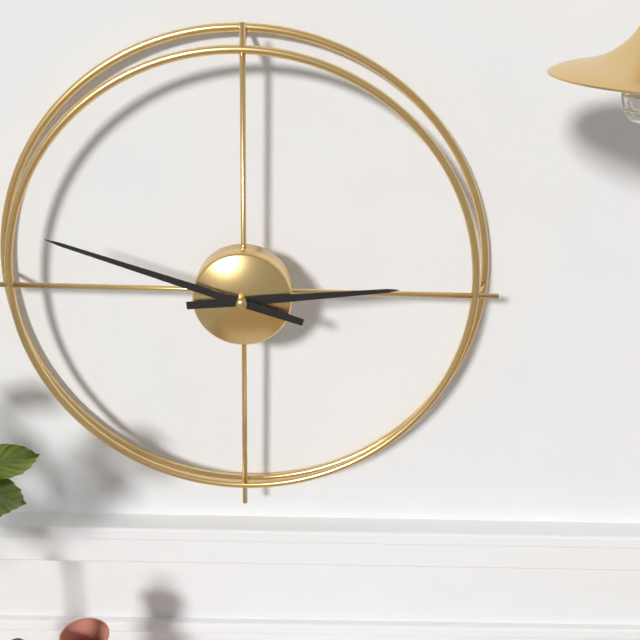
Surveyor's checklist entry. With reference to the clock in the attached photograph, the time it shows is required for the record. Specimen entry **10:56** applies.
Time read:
**2:48**
